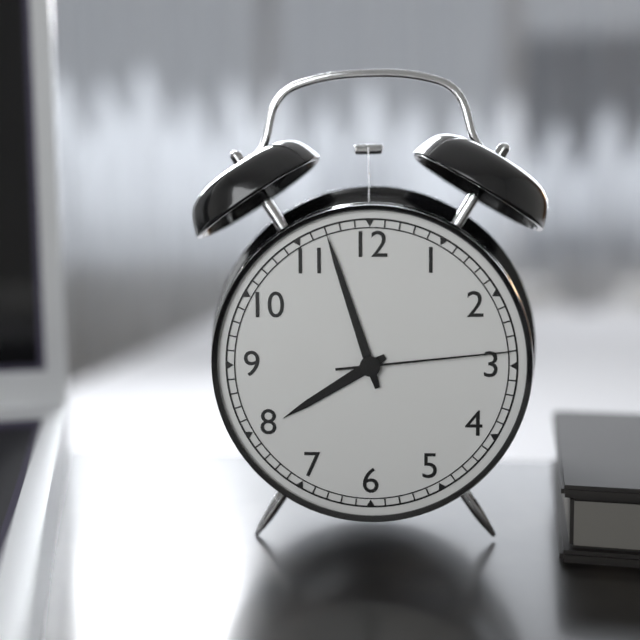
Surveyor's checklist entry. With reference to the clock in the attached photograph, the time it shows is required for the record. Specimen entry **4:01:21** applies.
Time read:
**7:57:14**
